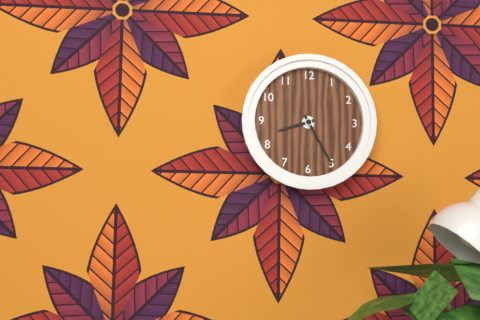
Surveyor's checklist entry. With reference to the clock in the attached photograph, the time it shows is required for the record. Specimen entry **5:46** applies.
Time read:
**8:25**
